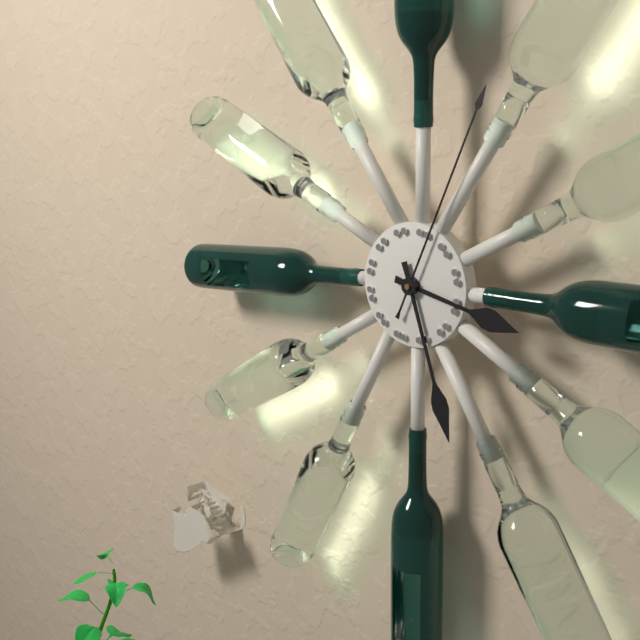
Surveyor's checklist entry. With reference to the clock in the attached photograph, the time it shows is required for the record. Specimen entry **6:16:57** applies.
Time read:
**3:27:04**
